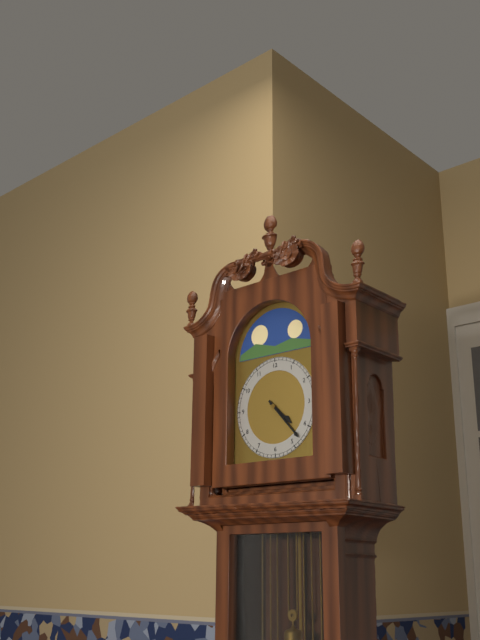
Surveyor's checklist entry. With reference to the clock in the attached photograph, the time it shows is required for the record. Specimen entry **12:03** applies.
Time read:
**4:23**
